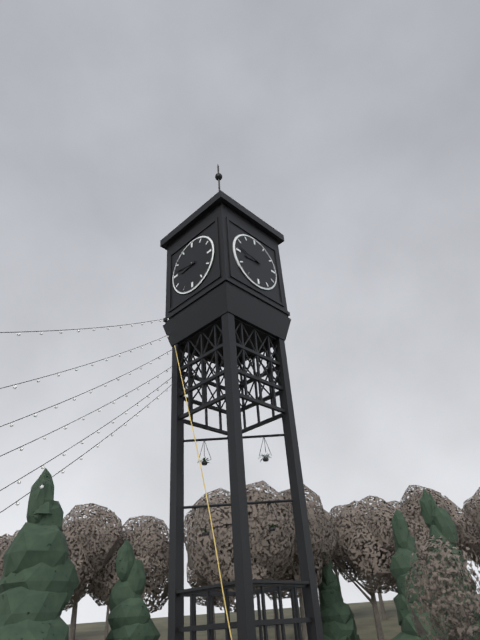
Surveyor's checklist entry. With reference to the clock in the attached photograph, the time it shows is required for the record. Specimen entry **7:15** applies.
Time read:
**8:47**
